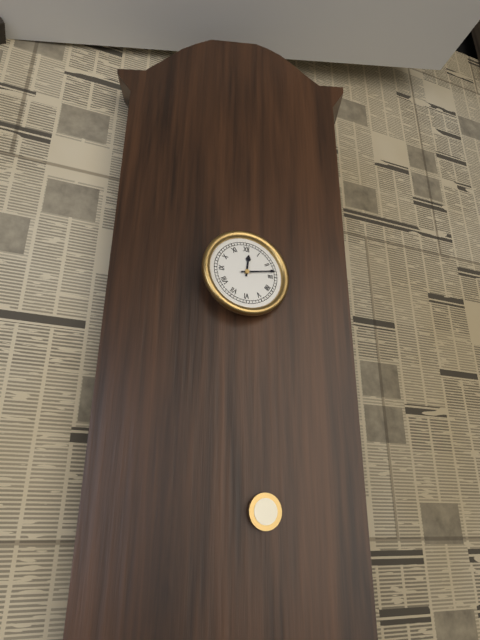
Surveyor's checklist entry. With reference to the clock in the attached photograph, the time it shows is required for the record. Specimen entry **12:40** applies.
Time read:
**12:13**
